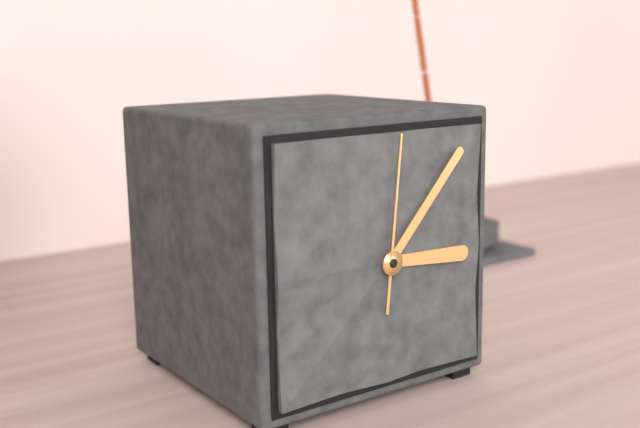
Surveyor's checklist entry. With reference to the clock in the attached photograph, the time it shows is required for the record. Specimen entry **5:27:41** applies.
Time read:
**3:07:01**
